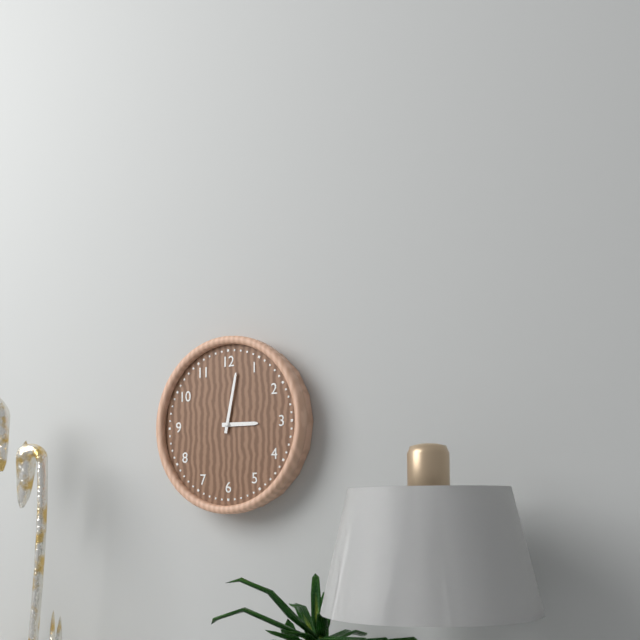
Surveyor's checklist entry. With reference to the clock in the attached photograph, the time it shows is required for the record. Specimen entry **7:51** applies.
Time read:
**3:02**
